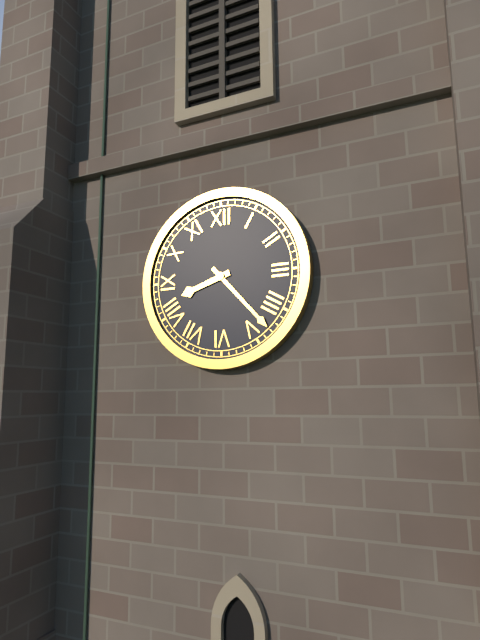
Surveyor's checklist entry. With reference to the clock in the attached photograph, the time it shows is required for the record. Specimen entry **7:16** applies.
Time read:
**8:23**
